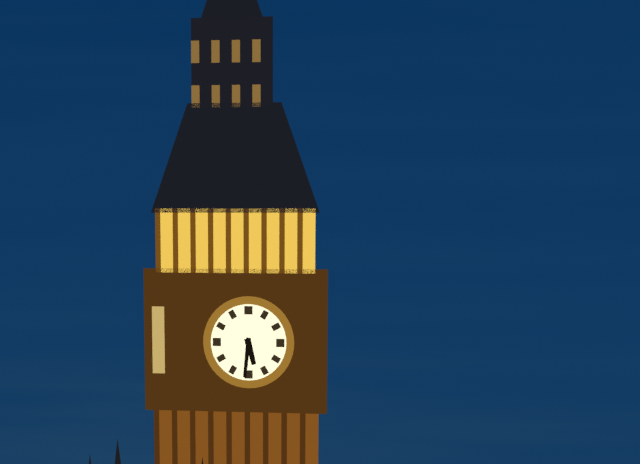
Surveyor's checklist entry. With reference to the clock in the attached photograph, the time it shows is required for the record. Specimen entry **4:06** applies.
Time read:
**5:31**
